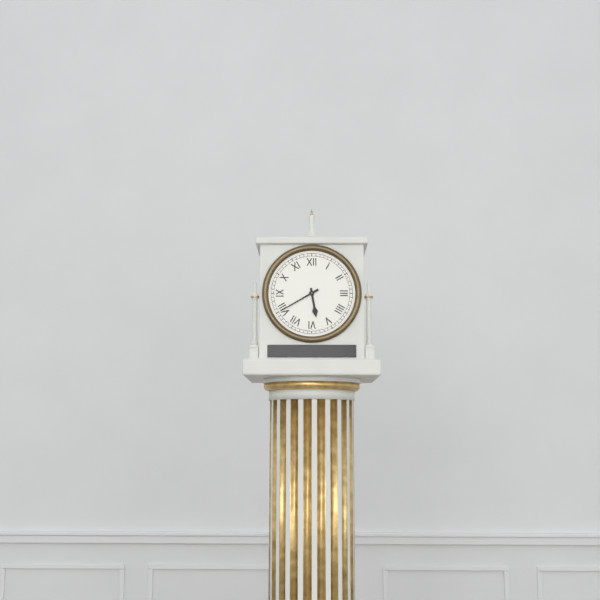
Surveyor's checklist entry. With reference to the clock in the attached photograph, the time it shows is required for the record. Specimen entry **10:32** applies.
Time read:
**5:40**
